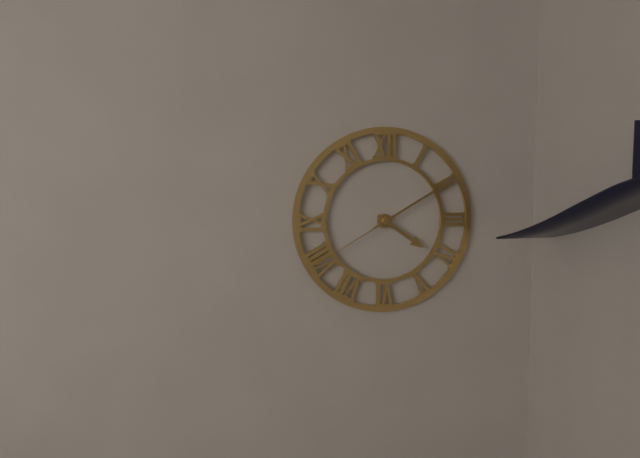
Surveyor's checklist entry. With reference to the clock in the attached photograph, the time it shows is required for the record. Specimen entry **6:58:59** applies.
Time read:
**4:10:40**
